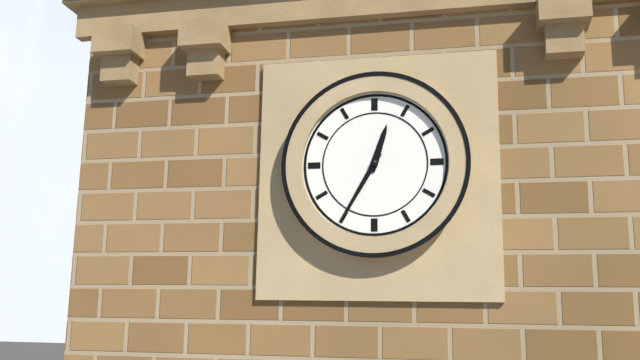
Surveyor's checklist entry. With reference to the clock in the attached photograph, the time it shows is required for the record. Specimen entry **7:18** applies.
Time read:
**12:35**
